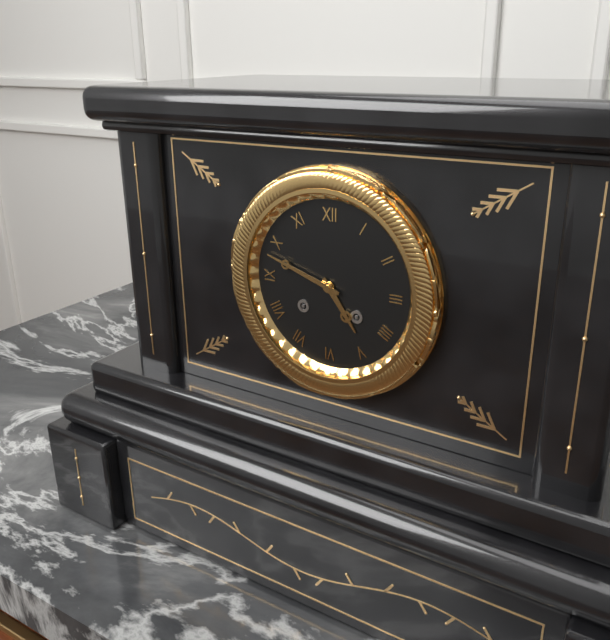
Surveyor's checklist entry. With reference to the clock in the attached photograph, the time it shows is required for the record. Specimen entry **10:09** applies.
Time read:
**4:48**
